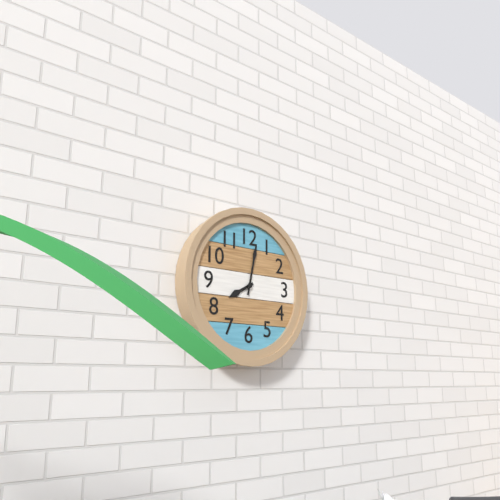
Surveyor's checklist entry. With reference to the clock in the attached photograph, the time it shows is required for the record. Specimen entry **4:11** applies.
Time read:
**8:02**
